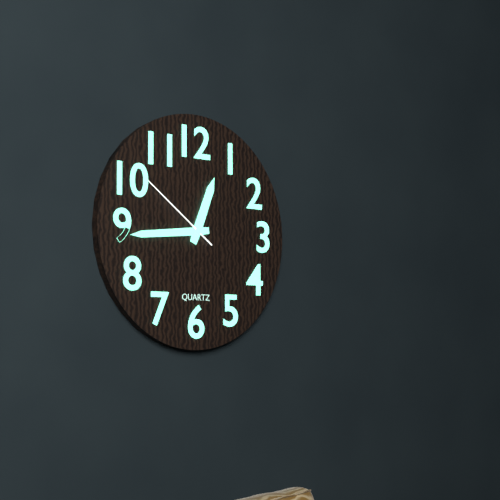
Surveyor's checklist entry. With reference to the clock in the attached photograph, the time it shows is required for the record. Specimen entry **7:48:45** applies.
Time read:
**12:44:51**
